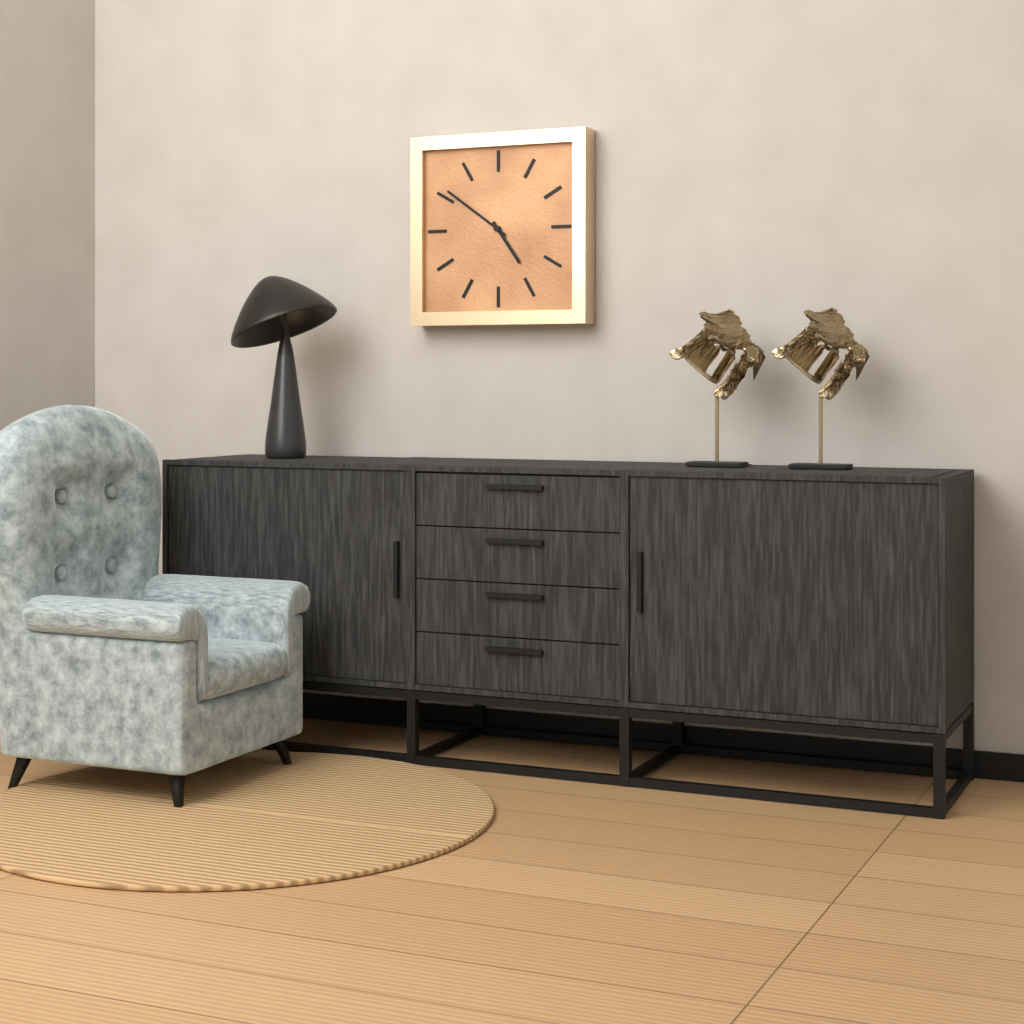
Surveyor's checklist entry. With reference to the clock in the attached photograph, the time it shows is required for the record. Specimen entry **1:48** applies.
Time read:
**4:51**
